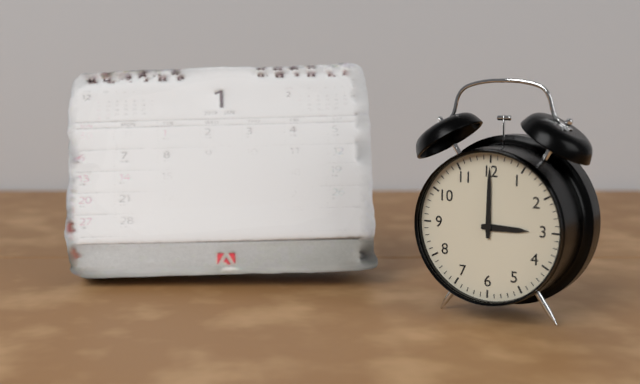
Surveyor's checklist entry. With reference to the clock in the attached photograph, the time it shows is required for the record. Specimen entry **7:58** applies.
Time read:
**3:00**
